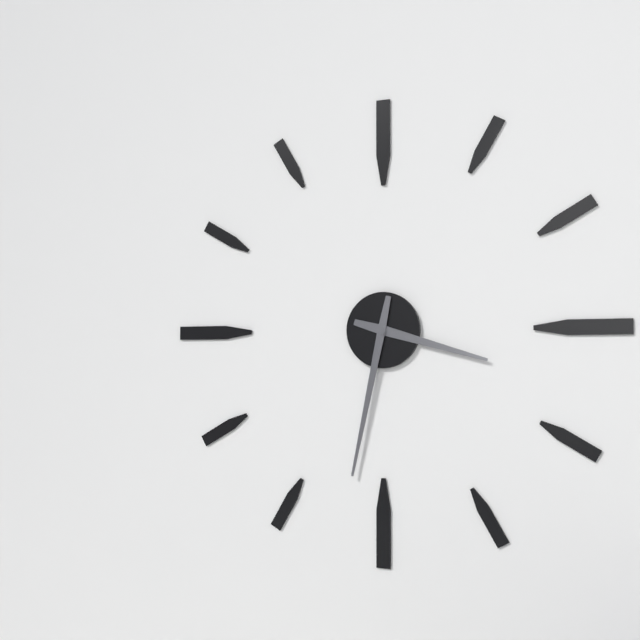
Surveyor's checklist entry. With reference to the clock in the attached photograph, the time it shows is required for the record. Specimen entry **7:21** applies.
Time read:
**3:32**
